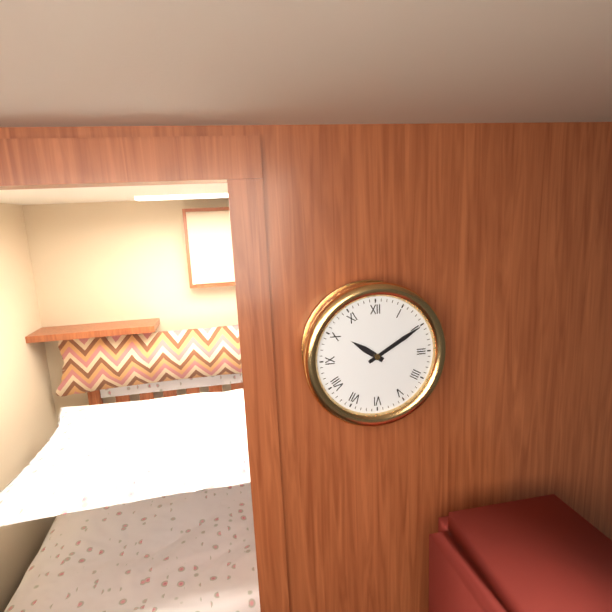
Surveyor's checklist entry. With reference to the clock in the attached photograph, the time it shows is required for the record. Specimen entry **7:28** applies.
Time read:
**10:10**
